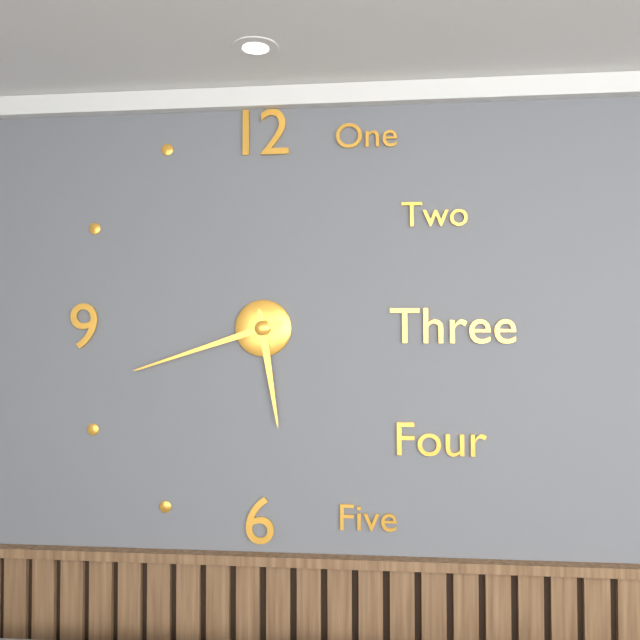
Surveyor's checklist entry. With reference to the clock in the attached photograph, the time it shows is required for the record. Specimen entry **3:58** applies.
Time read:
**5:42**
